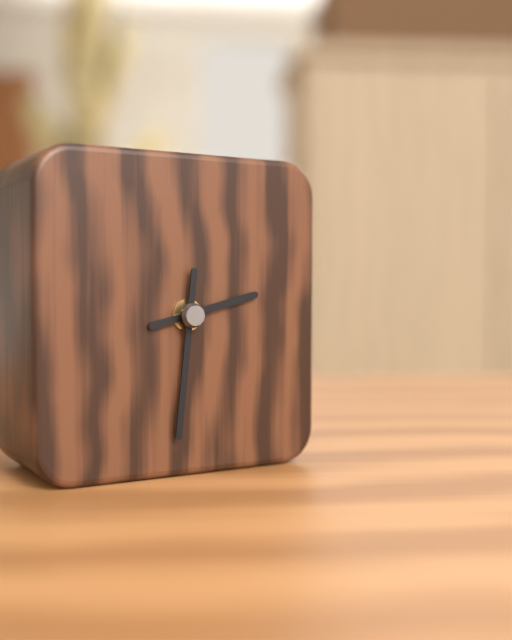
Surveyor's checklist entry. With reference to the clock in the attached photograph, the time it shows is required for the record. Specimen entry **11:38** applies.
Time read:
**2:31**
